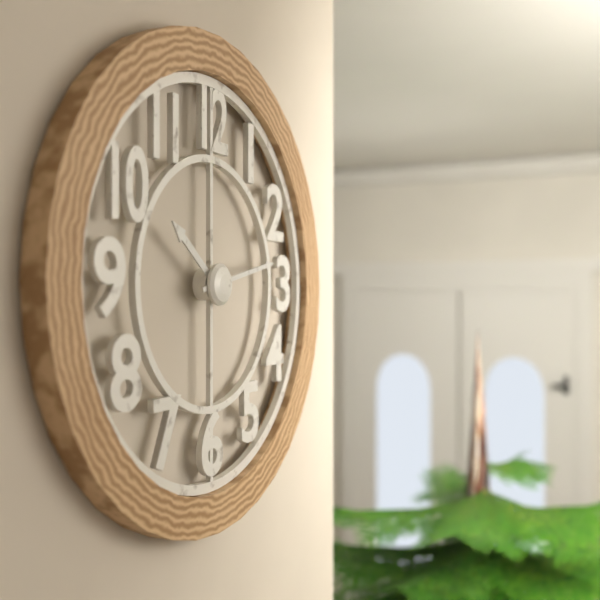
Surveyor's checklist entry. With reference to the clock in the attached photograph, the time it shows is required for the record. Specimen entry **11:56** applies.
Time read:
**10:13**
